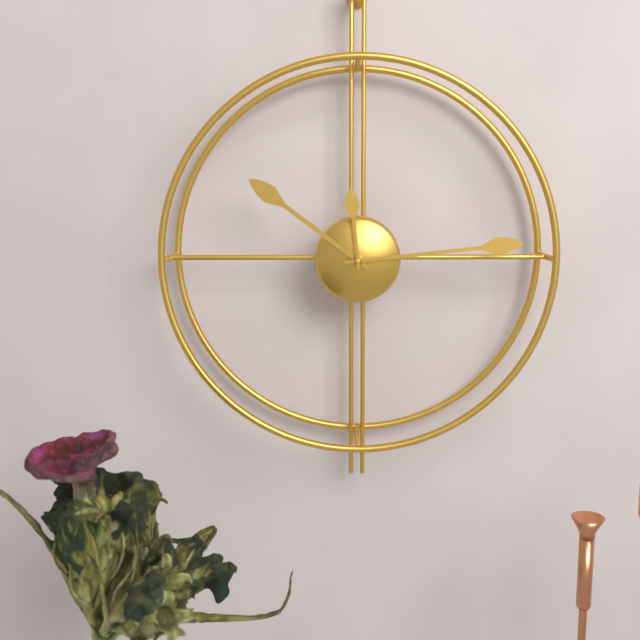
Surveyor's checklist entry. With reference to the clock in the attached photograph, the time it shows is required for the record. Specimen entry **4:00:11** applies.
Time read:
**10:14:59**
